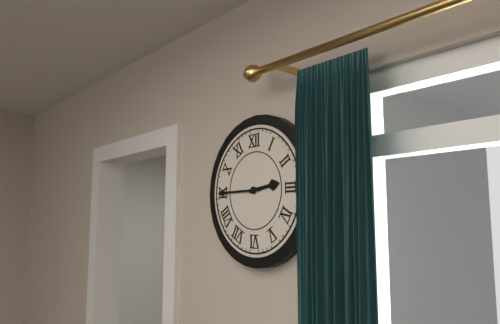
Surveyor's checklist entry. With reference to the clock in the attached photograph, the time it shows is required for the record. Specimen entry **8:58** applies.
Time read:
**2:45**
